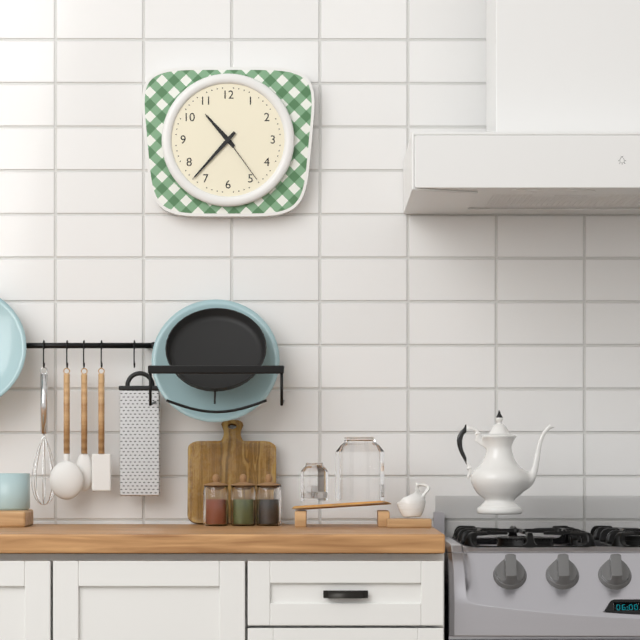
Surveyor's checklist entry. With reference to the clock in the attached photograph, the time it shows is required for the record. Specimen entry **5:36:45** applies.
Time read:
**10:37:24**
